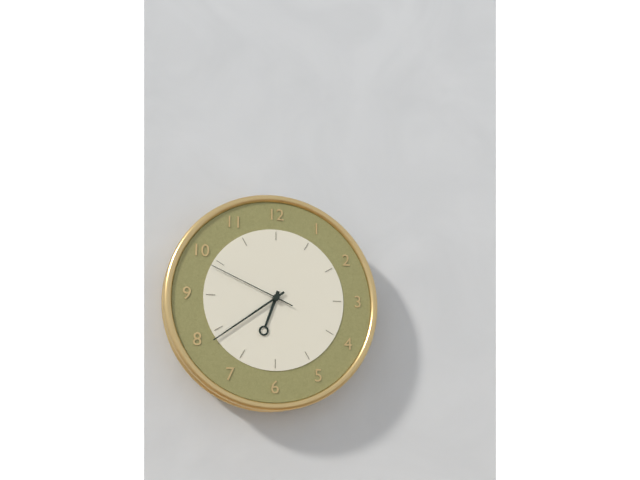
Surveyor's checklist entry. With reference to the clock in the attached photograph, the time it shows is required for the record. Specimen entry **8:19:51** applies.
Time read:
**6:39:49**
